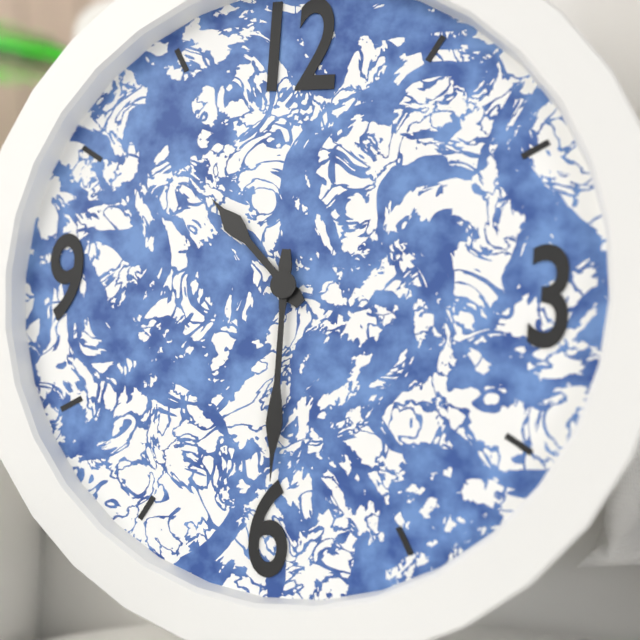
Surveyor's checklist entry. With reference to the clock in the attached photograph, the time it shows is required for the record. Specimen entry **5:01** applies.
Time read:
**10:30**
